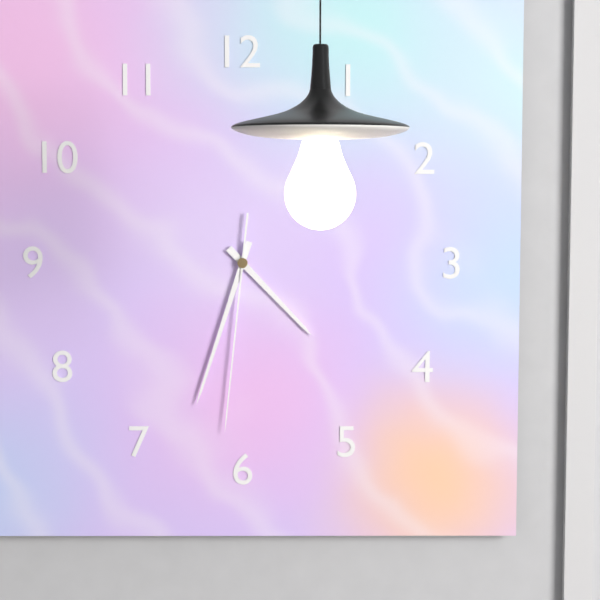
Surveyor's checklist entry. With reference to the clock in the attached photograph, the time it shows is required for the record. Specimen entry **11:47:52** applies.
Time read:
**4:33:31**
